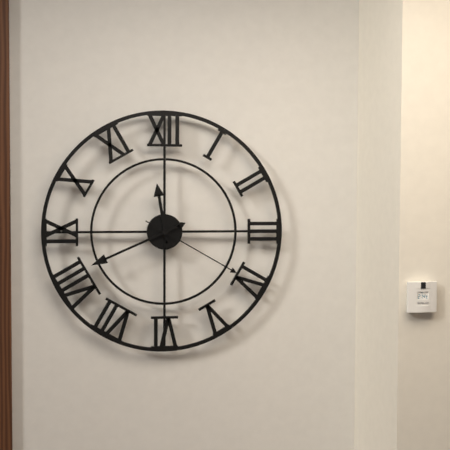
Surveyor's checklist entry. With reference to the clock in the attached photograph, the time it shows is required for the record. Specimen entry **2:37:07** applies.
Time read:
**11:41:20**
